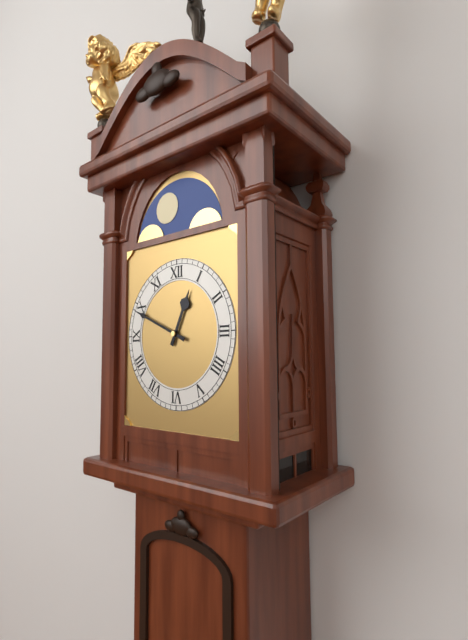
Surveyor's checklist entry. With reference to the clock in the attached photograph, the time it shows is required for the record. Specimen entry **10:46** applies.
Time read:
**12:49**
